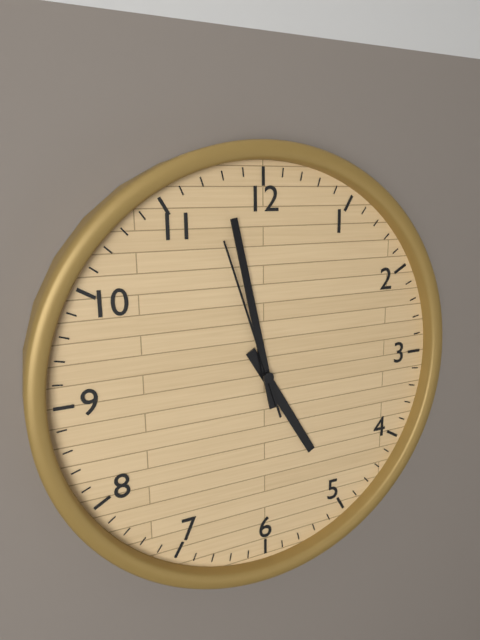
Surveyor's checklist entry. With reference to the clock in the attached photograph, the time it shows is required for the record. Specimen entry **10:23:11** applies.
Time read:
**4:58:57**
